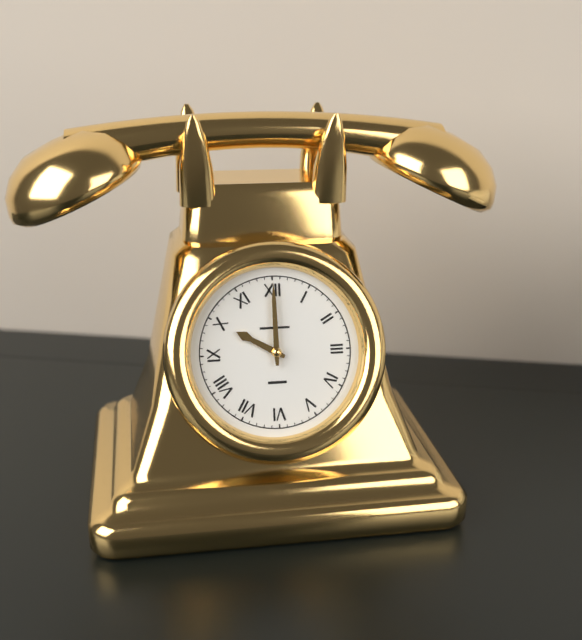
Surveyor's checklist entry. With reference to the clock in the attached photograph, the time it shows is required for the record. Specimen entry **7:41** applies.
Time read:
**10:00**
